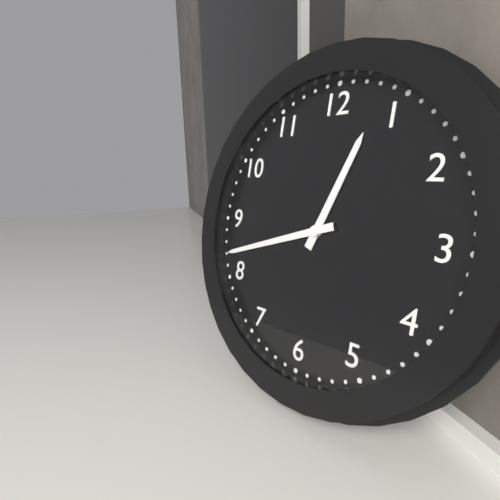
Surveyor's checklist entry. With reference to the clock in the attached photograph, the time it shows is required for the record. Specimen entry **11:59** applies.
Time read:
**12:42**
